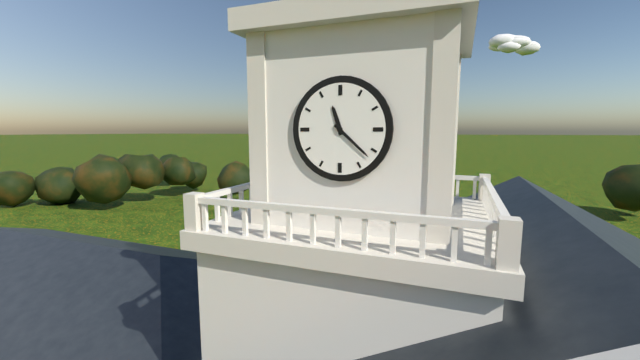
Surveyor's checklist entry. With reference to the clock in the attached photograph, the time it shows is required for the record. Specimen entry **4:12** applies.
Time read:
**11:22**
